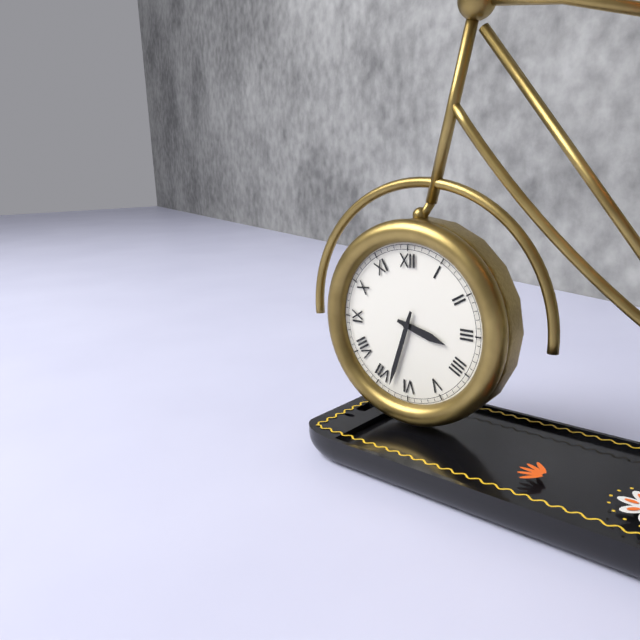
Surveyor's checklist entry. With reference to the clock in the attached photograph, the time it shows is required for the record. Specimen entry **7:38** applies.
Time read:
**3:33**
